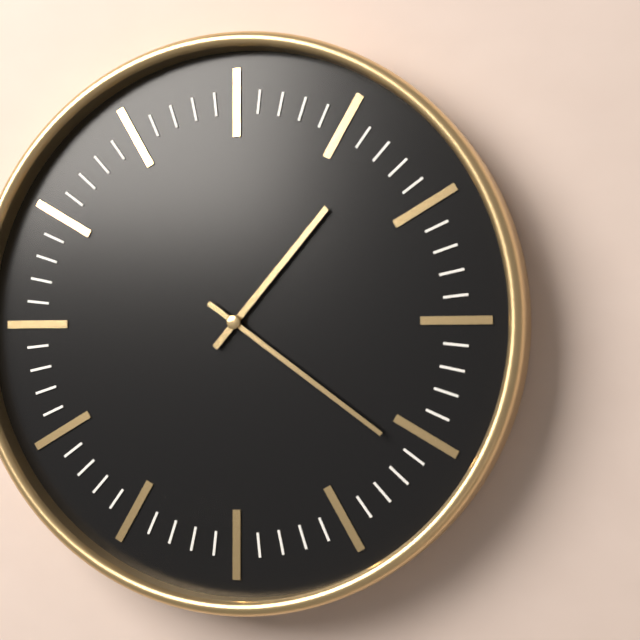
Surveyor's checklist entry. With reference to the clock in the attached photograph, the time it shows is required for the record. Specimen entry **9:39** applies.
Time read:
**1:21**
